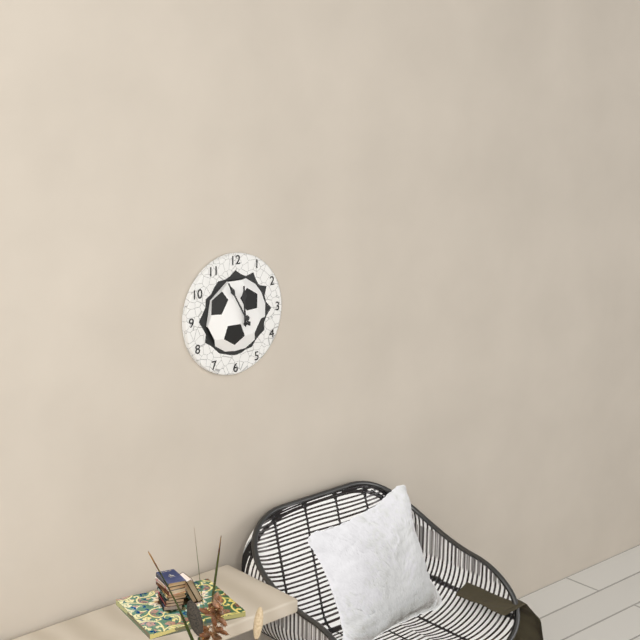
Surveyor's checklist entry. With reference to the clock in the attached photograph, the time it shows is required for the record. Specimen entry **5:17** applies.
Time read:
**11:55**
